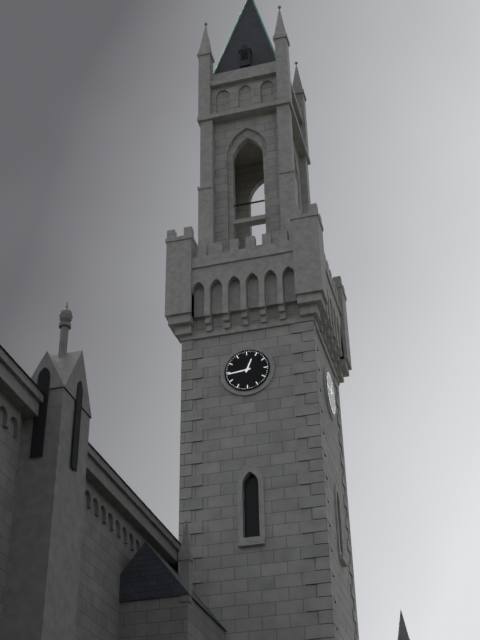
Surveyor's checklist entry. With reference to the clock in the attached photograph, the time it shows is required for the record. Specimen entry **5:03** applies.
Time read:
**12:44**
